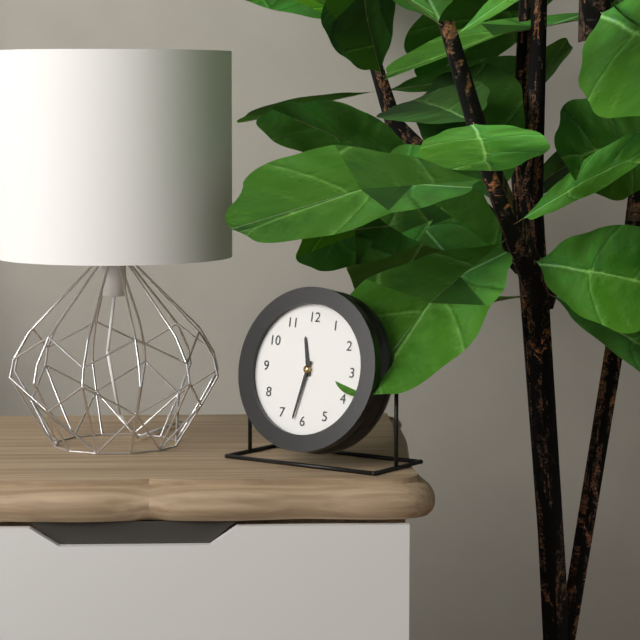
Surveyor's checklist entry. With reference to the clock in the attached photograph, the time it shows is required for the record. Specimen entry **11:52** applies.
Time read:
**11:32**
